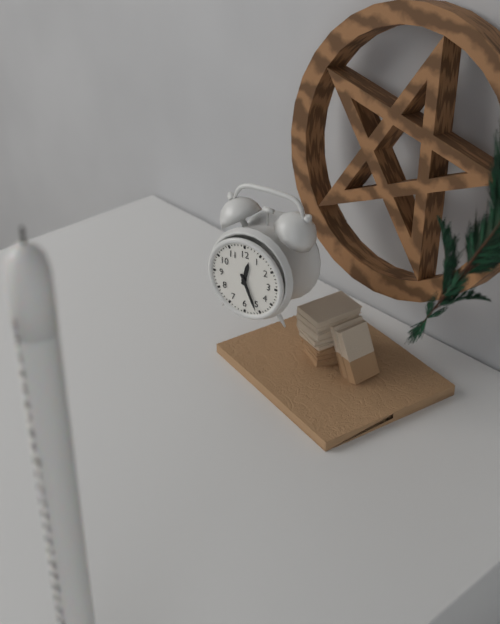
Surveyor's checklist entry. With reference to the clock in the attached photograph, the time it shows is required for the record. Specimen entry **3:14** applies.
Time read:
**12:26**
